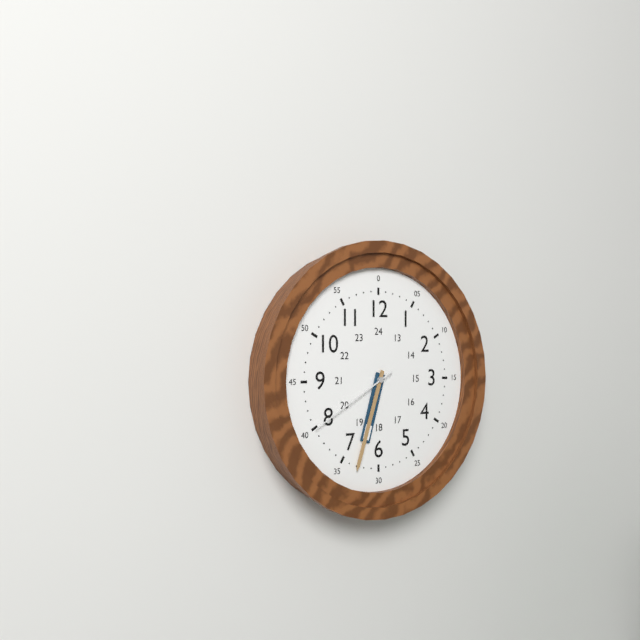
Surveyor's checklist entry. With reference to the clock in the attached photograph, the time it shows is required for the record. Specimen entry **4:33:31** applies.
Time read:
**6:33:40**
